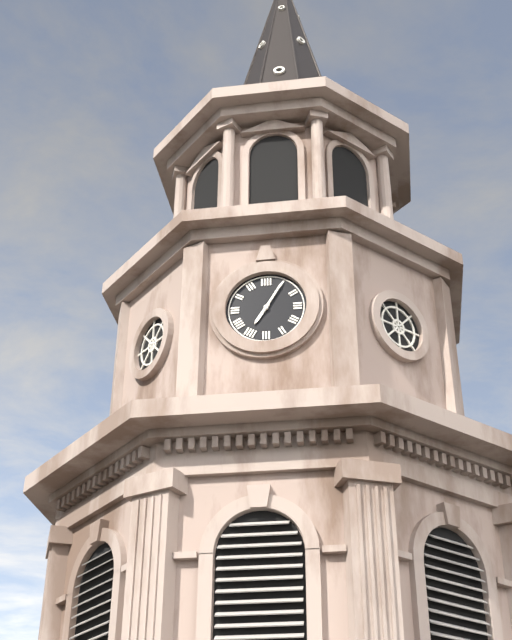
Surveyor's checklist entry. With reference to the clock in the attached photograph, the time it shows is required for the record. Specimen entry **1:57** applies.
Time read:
**7:05**
